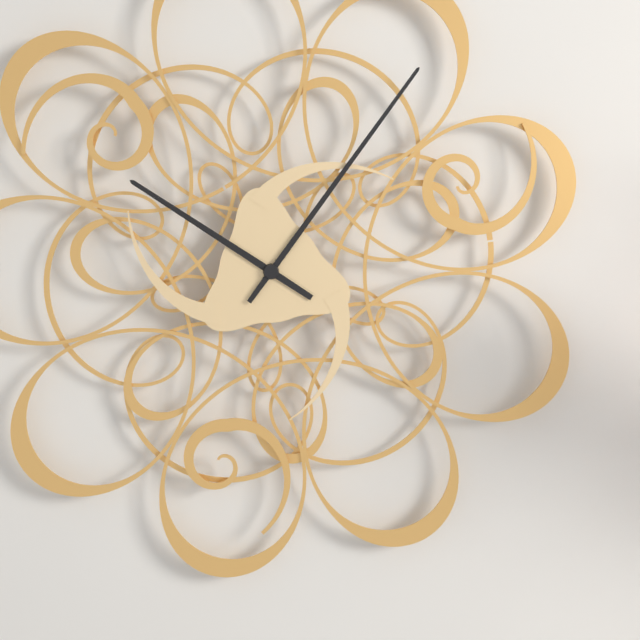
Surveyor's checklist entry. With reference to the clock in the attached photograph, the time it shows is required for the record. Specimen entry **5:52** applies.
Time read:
**10:06**
